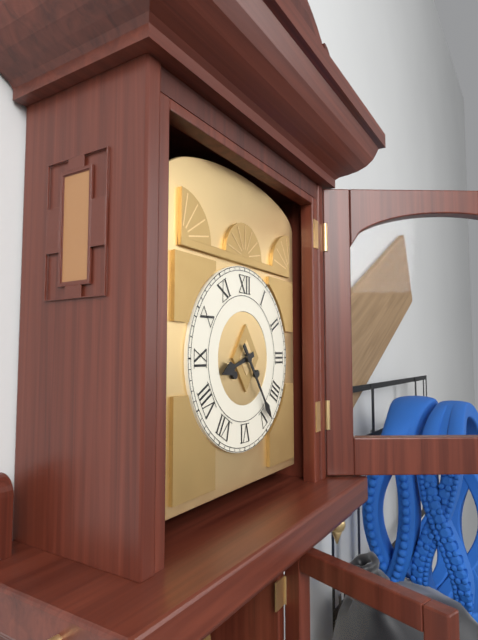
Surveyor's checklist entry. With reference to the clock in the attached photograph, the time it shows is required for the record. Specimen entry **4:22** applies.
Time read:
**8:24**
